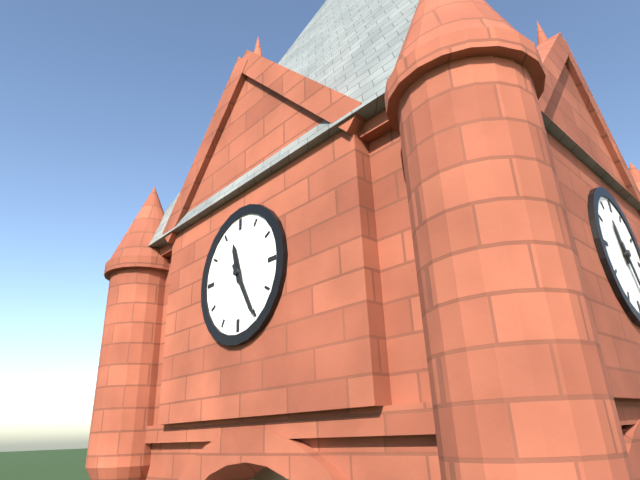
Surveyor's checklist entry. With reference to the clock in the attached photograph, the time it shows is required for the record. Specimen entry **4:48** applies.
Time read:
**11:25**
